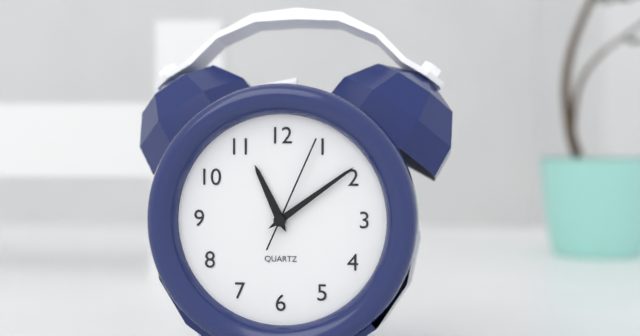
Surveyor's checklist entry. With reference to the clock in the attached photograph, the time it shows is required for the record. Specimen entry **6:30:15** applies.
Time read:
**11:09:04**
